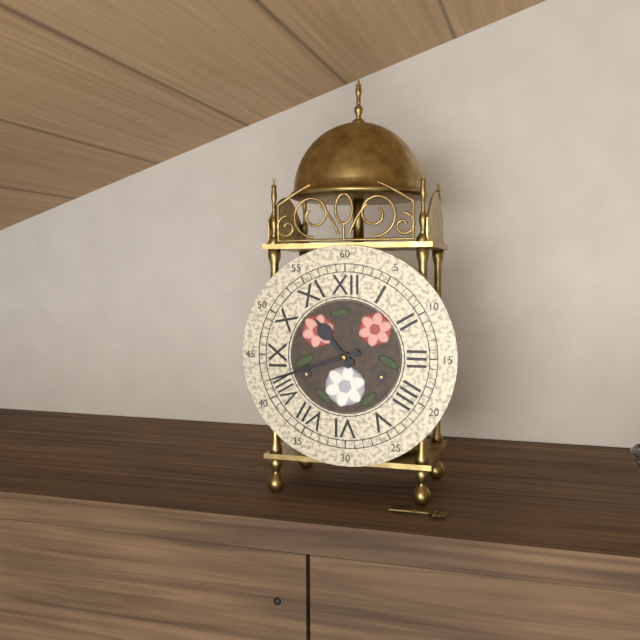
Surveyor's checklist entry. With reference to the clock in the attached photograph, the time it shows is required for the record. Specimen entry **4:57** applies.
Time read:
**10:42**
